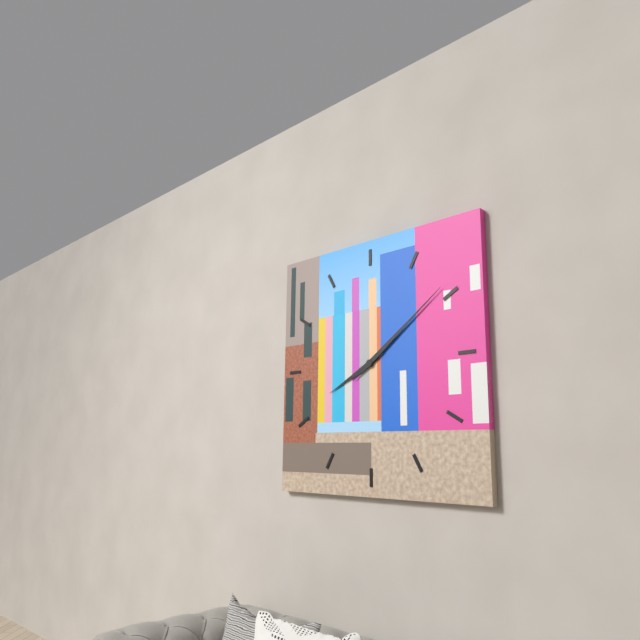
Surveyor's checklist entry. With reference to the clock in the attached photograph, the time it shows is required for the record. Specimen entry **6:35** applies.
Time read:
**8:09**
